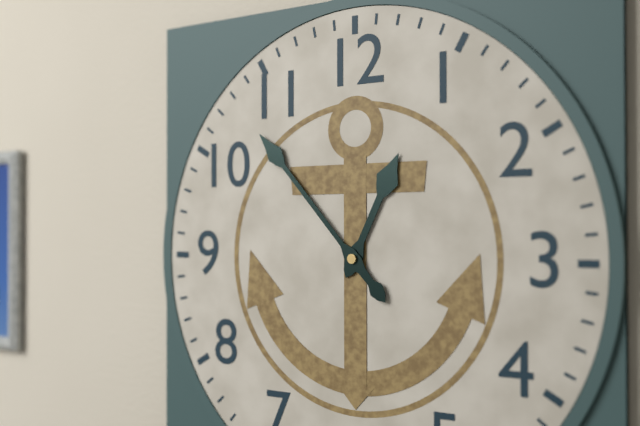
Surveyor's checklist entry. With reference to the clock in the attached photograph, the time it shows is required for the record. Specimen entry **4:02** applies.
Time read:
**12:53**
